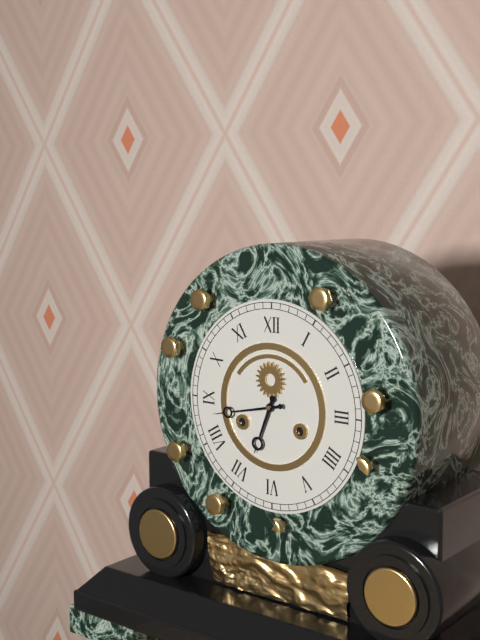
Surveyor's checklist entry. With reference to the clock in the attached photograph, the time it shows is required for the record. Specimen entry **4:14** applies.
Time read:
**6:43**
